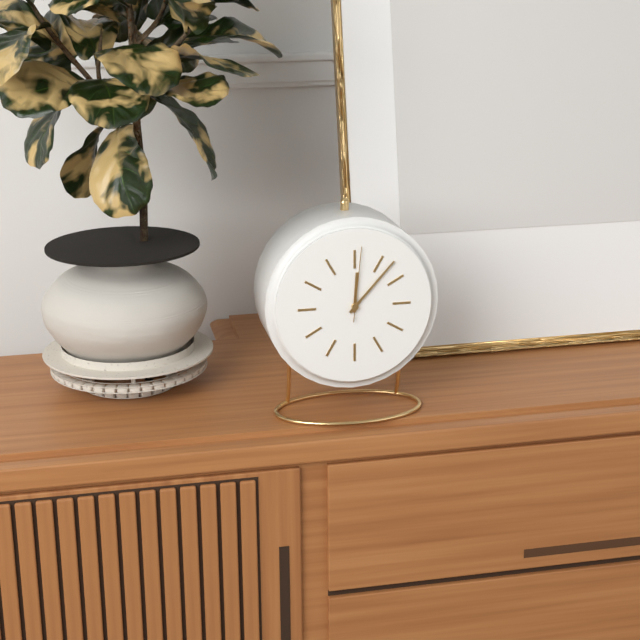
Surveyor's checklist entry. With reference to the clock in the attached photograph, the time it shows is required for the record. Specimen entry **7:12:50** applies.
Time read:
**12:07:01**
